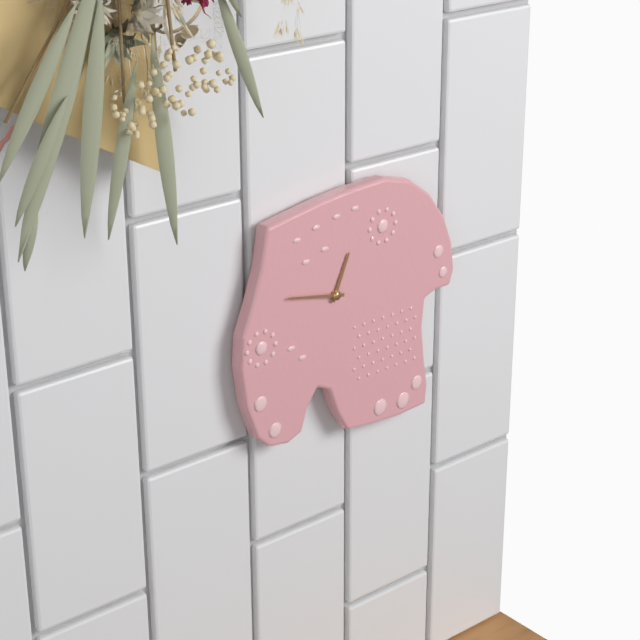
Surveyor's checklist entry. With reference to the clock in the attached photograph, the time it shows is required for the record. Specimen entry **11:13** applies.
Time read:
**12:47**
